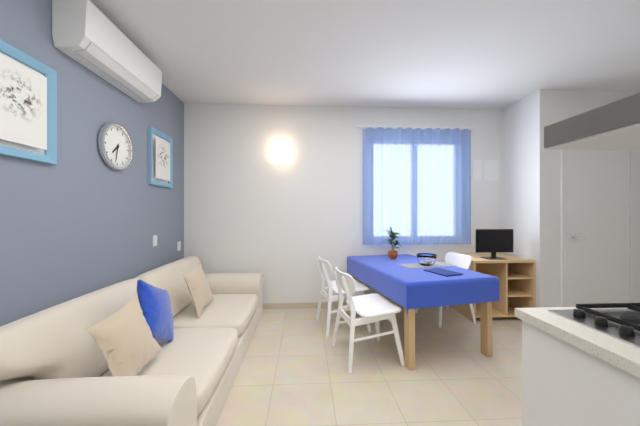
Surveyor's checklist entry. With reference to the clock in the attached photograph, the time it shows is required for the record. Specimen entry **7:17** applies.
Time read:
**7:32**
